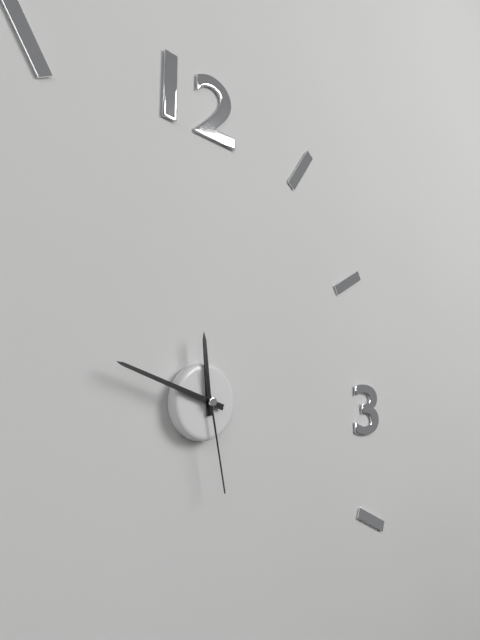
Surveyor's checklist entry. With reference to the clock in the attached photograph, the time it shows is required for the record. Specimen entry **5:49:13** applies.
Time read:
**11:48:28**
